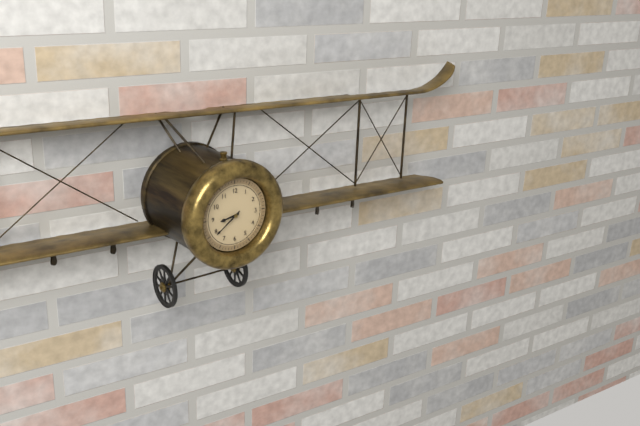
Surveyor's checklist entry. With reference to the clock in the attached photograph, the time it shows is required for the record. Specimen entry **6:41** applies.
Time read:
**8:39**
